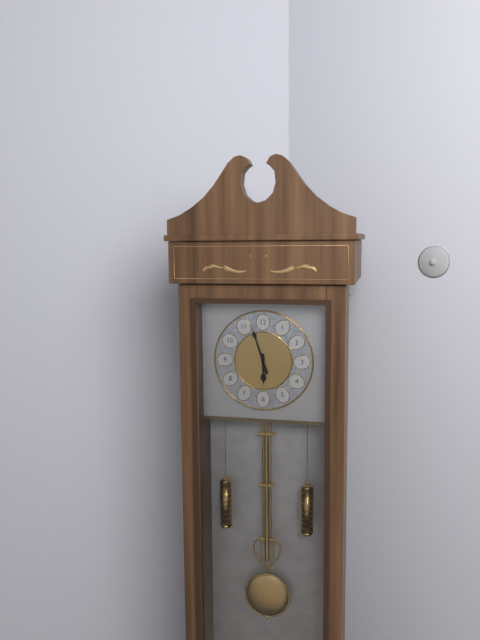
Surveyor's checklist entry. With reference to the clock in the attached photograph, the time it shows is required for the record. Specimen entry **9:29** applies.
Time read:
**5:57**
